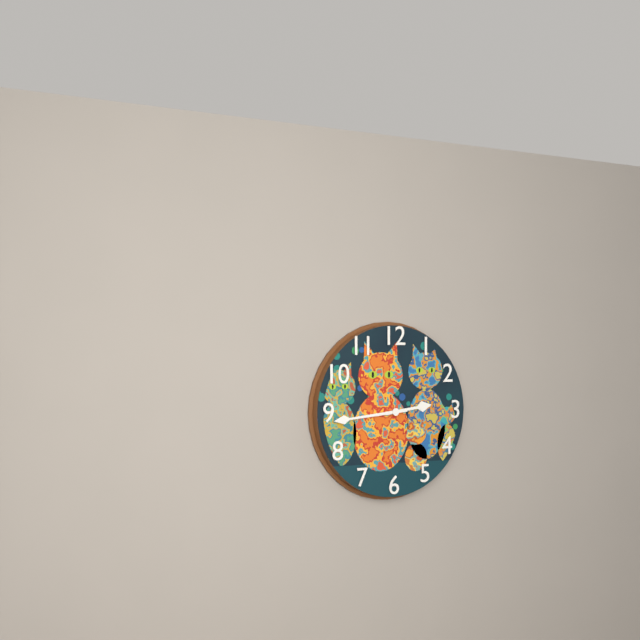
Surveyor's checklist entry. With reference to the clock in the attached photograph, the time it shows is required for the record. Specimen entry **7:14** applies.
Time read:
**2:44**
